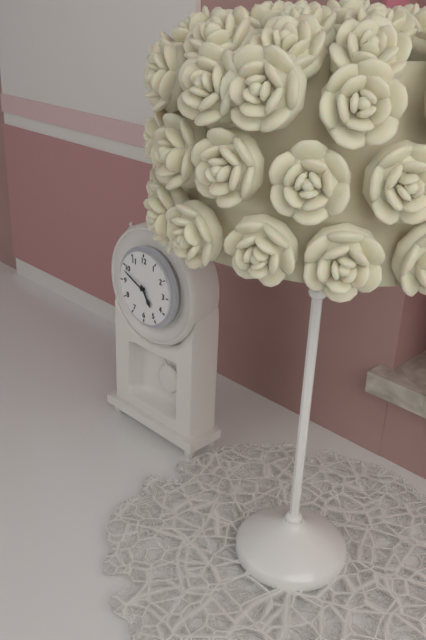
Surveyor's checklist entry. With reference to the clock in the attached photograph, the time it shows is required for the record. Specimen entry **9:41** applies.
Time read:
**4:49**
